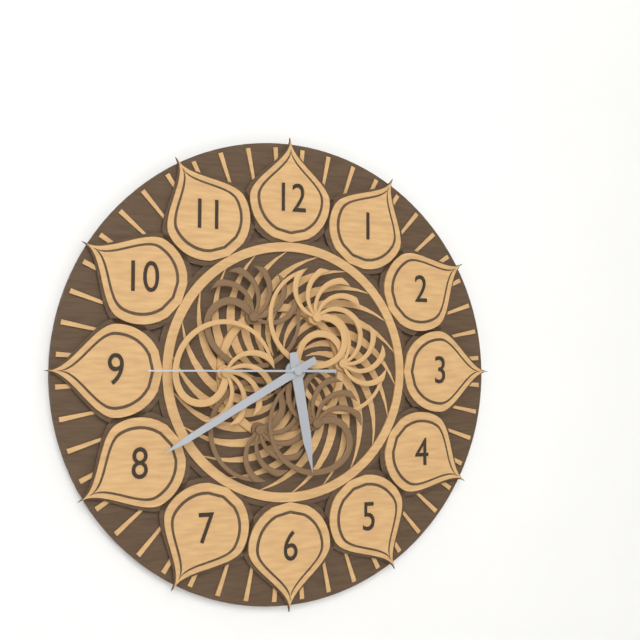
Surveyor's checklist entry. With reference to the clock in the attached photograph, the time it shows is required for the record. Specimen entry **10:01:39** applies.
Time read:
**5:40:45**
